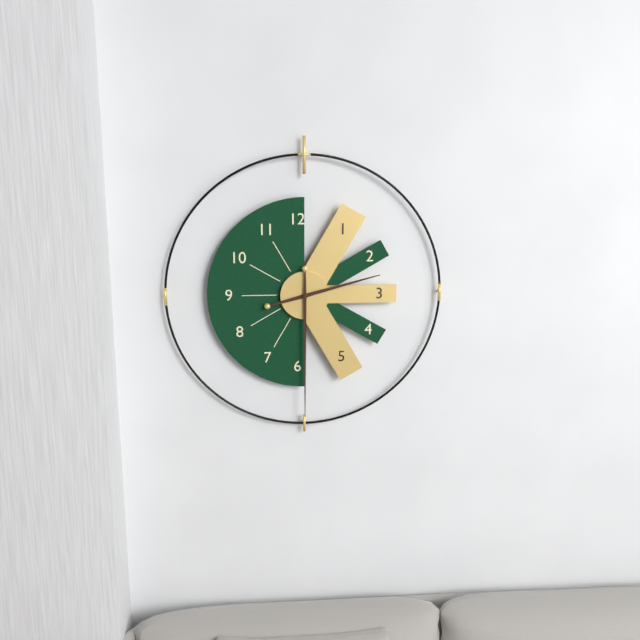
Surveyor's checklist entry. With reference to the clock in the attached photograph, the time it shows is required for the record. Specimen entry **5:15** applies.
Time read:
**2:30**
